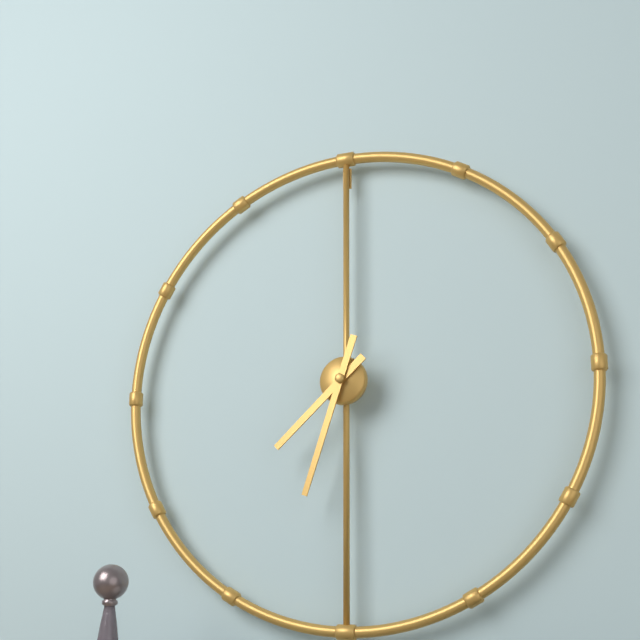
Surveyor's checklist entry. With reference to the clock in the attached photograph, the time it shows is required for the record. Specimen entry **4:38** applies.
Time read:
**7:33**
